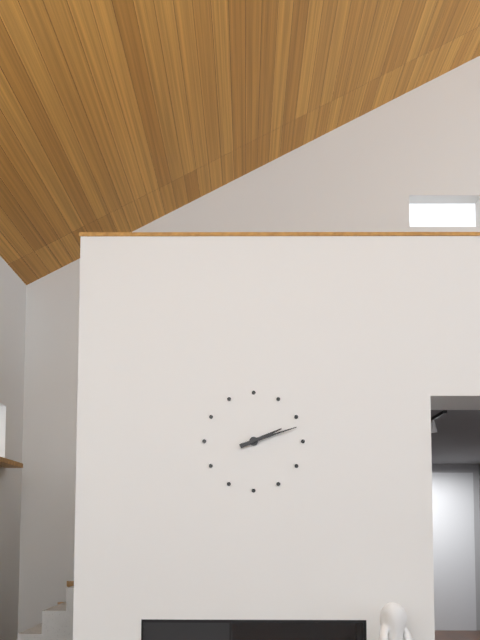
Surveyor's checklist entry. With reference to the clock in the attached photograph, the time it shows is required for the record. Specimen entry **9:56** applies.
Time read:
**2:12**
